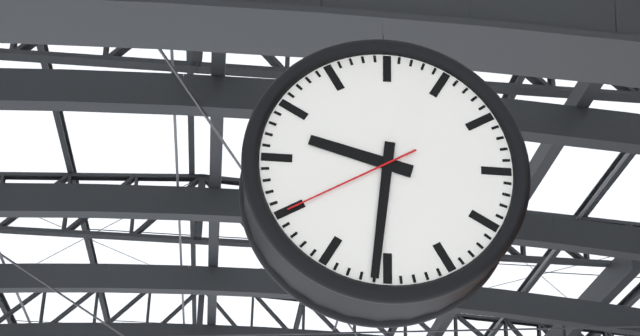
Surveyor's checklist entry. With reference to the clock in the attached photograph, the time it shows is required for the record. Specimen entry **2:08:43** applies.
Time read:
**9:31:40**
